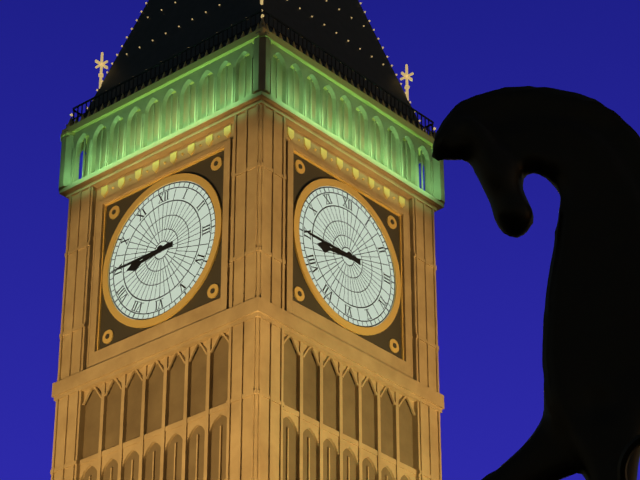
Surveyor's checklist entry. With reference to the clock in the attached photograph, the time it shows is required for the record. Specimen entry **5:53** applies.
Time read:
**8:45**
